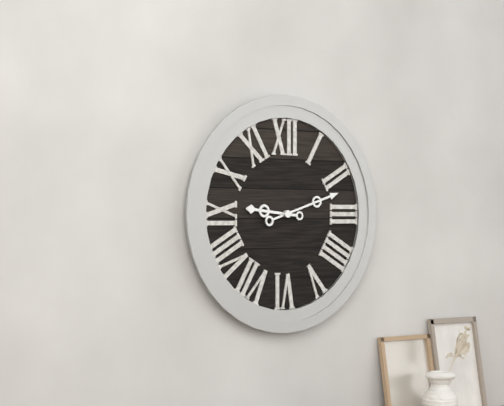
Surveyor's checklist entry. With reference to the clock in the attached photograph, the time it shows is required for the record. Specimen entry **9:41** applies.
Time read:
**9:12**
